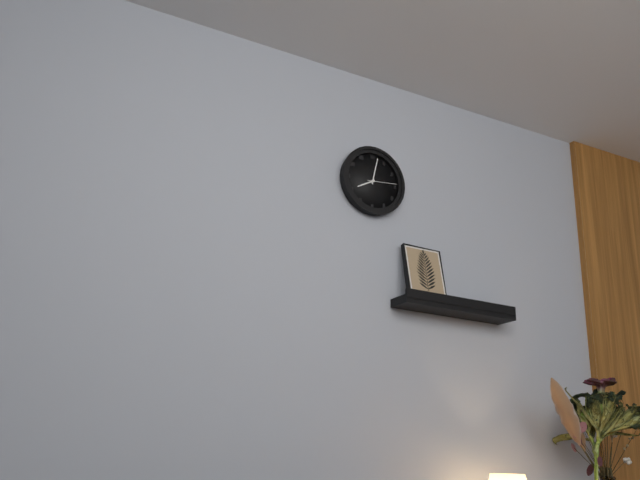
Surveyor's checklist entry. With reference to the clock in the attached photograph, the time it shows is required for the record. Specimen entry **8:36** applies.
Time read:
**8:02**
